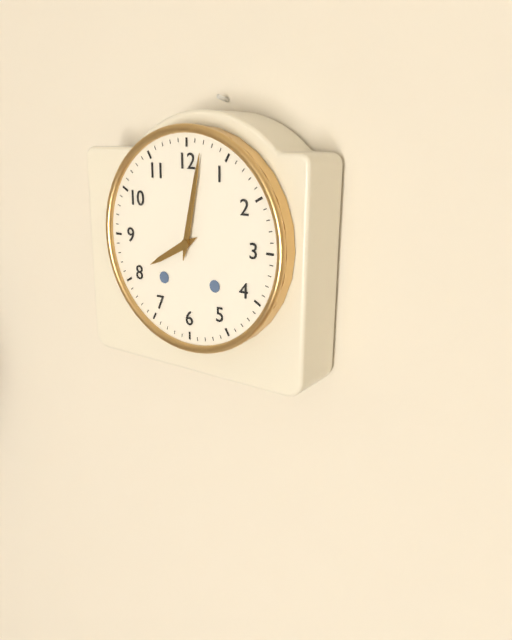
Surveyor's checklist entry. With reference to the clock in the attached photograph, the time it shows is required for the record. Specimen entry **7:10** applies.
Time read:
**8:02**
